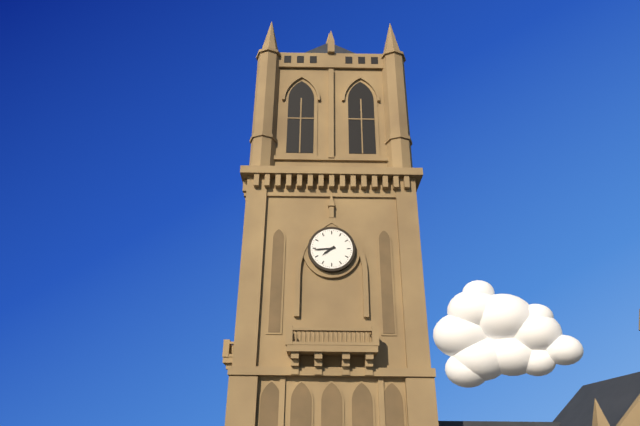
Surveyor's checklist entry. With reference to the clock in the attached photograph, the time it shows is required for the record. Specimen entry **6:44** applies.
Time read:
**7:44**
